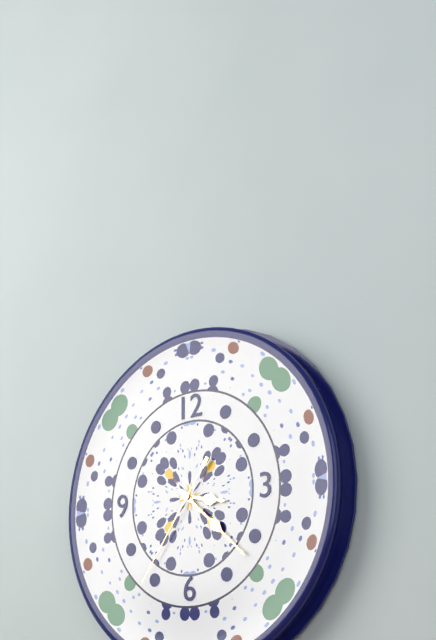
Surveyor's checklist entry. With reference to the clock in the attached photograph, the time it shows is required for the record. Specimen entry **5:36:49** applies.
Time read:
**3:22:36**
